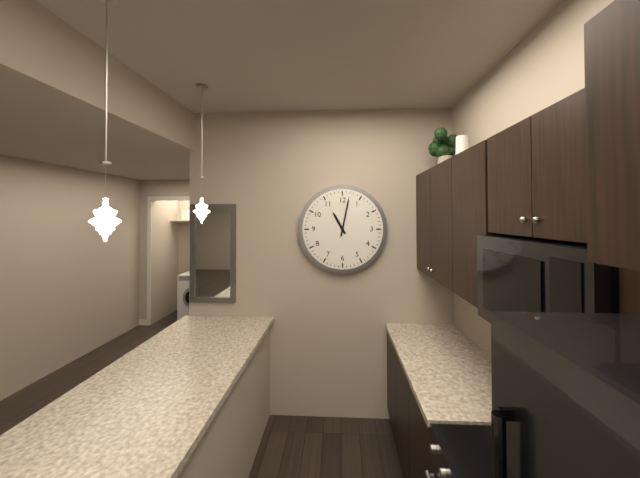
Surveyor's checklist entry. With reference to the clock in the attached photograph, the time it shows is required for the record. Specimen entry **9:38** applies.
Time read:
**11:02**
